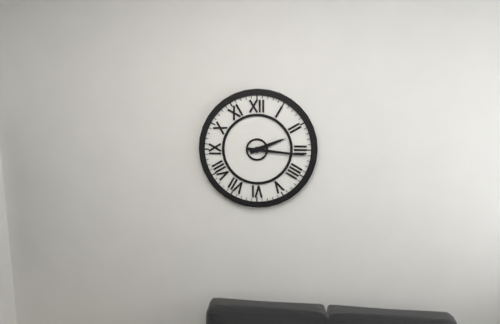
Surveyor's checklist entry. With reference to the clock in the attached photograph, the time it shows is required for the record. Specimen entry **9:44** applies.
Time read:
**2:16**
